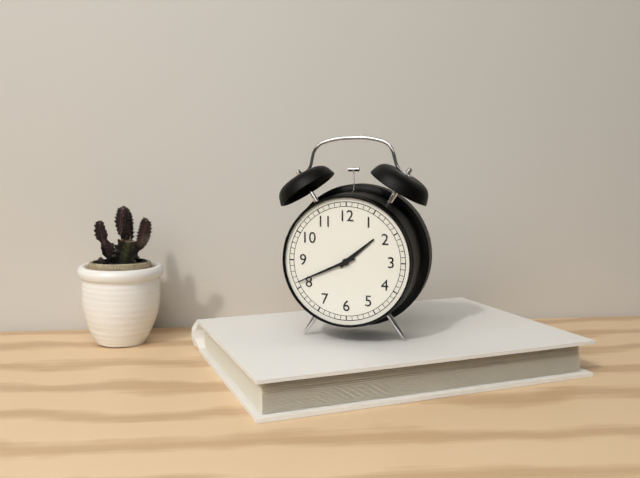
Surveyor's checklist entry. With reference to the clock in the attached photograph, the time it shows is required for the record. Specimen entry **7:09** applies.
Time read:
**1:41**
